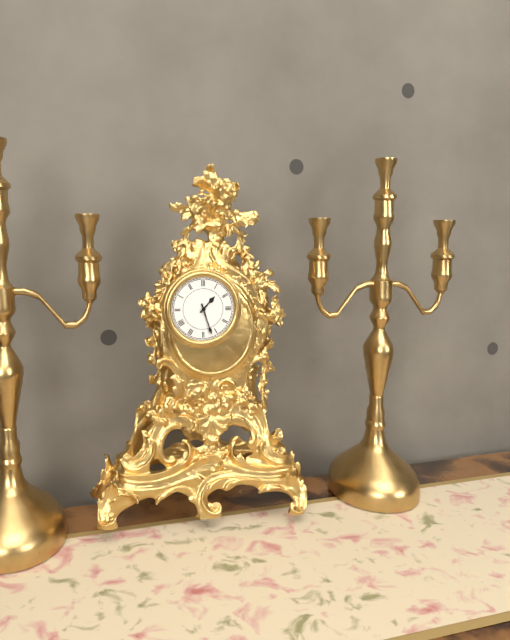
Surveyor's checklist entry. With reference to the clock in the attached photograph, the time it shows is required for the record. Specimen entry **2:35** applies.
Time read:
**1:27**
